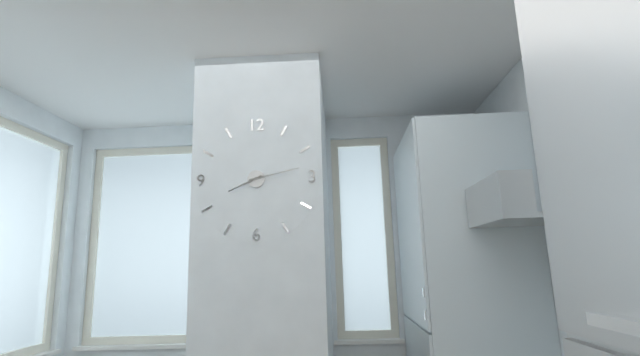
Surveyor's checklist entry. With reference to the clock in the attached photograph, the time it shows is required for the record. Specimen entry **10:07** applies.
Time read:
**8:13**
